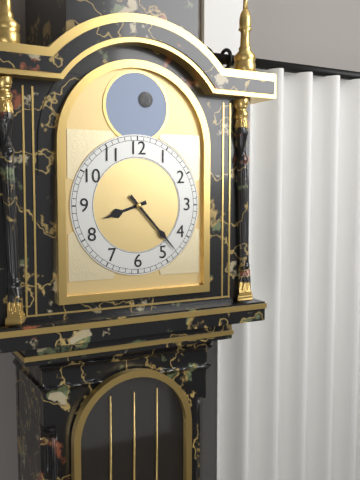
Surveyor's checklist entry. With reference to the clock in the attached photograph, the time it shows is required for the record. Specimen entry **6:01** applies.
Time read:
**8:23**
